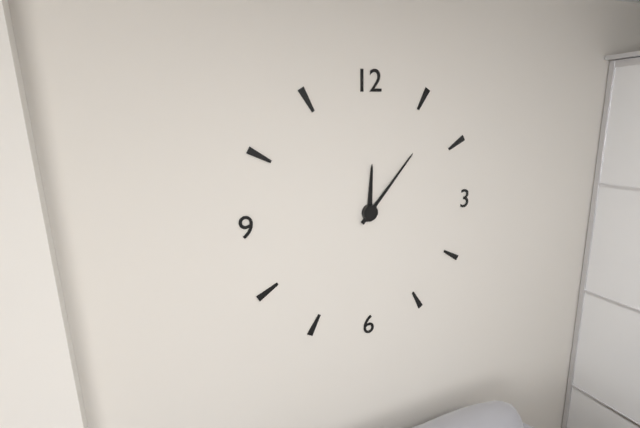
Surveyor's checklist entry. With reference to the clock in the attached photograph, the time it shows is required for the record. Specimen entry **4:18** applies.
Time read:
**12:07**
